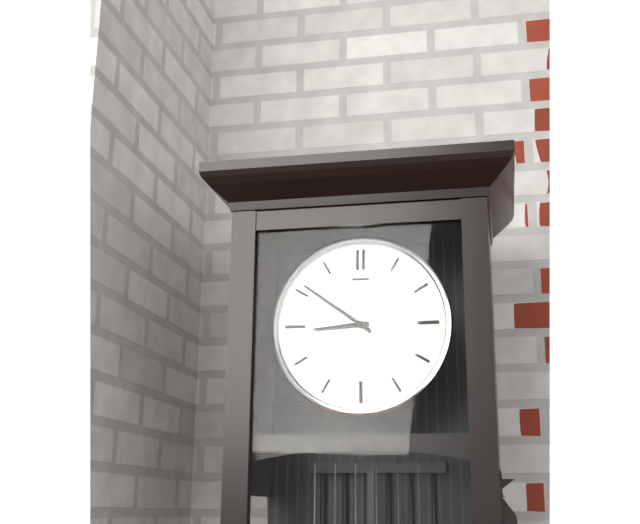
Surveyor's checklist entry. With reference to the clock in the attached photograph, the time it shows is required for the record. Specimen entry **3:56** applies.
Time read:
**8:51**
